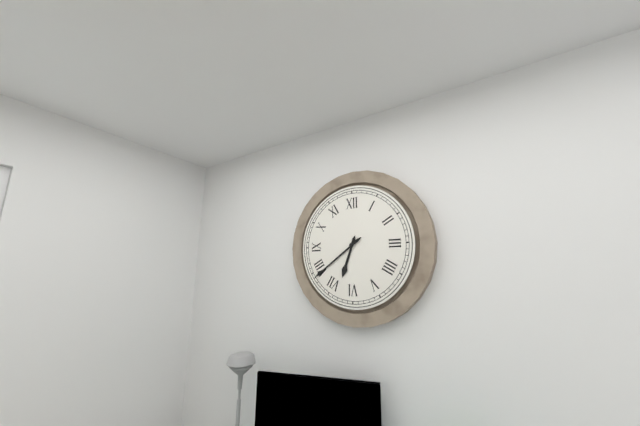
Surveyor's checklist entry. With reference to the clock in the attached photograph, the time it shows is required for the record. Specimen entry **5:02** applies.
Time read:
**6:39**
